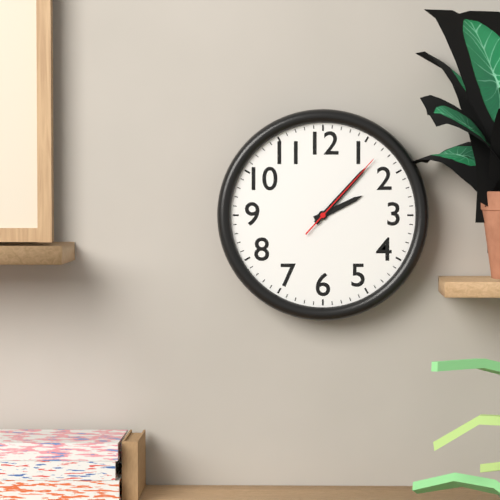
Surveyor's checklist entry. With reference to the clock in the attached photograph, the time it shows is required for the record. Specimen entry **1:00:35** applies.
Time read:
**2:07:07**
